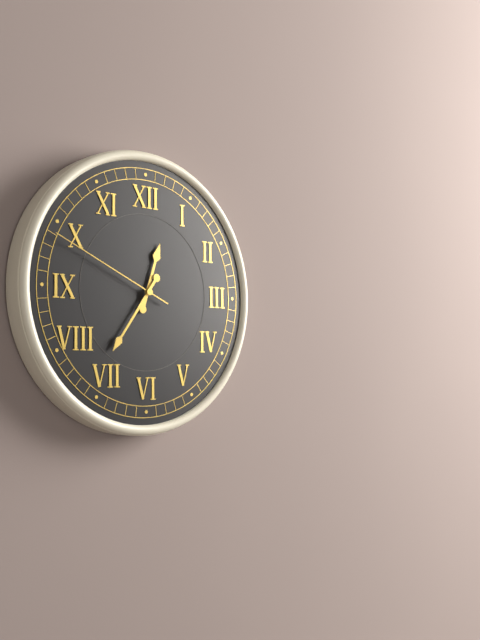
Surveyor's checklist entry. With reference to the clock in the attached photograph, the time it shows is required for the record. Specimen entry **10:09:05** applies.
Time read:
**12:36:49**
